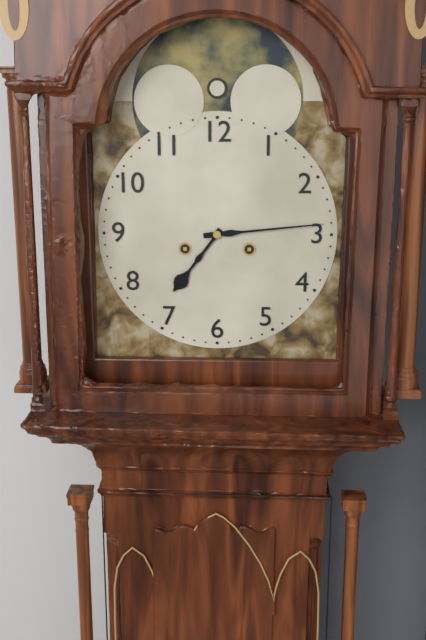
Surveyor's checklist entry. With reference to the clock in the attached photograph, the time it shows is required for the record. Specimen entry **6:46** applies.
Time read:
**7:14**
